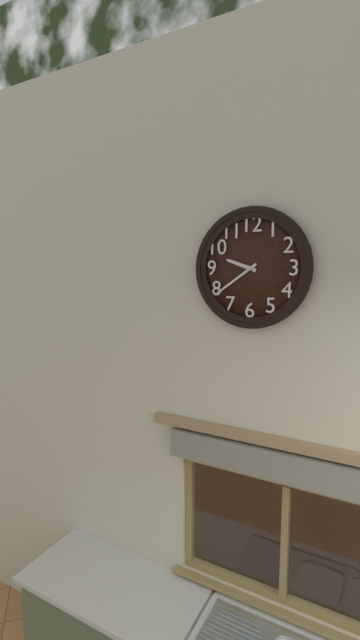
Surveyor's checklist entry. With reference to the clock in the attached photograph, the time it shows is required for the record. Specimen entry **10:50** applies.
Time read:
**9:39**
